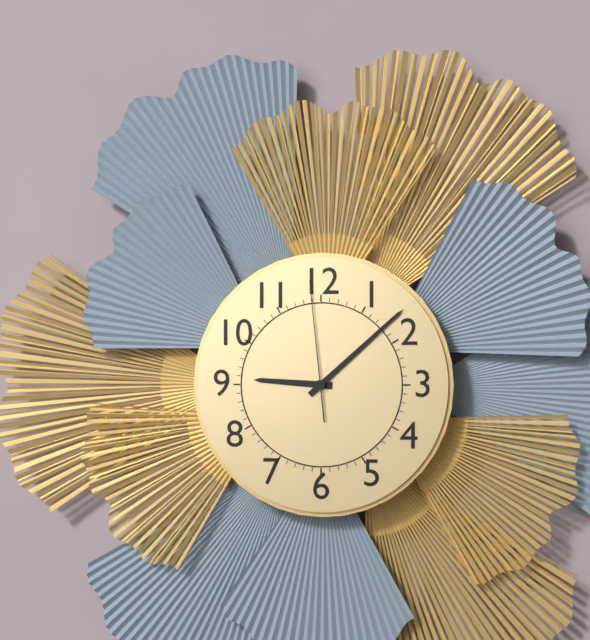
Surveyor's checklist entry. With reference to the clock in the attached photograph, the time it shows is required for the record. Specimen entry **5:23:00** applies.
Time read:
**9:08:59**
